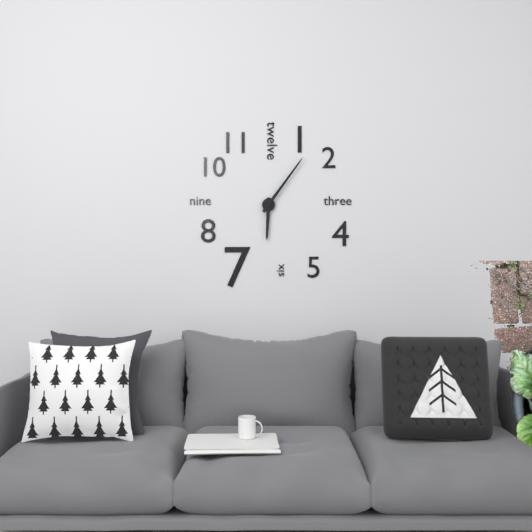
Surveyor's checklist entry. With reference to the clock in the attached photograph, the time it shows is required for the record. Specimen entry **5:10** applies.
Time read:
**6:06**
